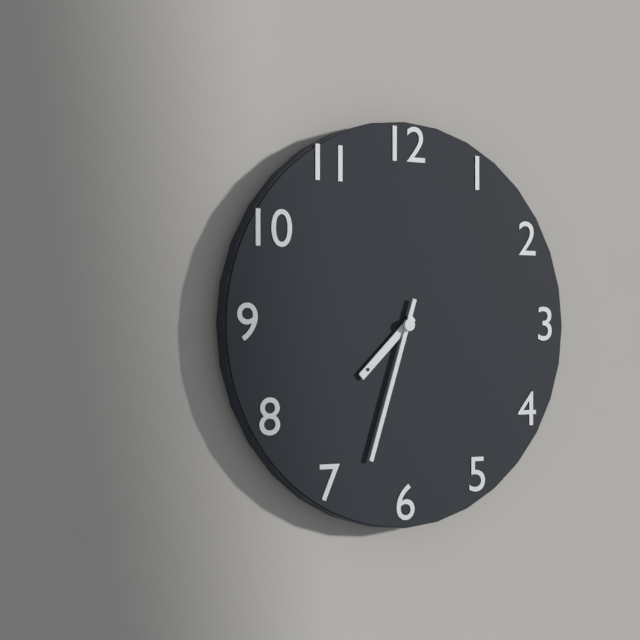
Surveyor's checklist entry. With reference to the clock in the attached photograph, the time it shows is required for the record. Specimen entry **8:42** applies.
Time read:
**7:33**
